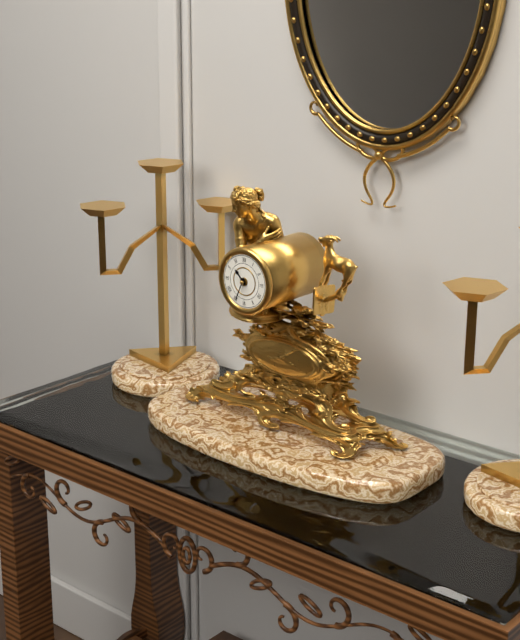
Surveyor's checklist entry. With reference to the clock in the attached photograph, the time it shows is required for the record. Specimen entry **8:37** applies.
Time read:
**10:34**
